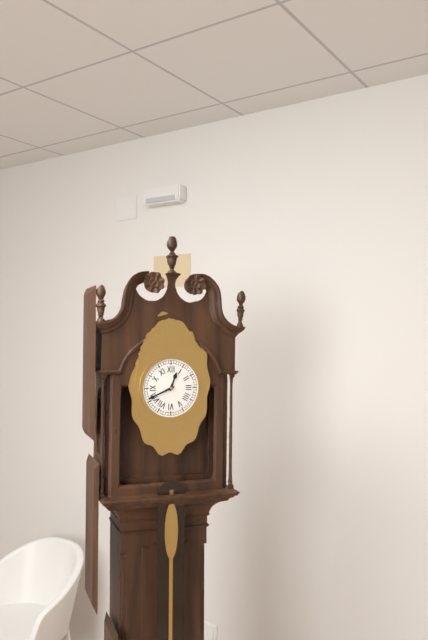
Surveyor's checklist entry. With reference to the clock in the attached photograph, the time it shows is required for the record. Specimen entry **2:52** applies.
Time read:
**12:41**
